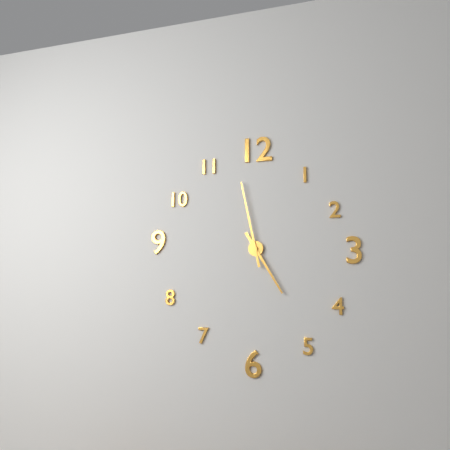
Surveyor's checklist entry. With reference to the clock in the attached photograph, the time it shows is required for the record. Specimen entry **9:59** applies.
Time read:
**4:58**
